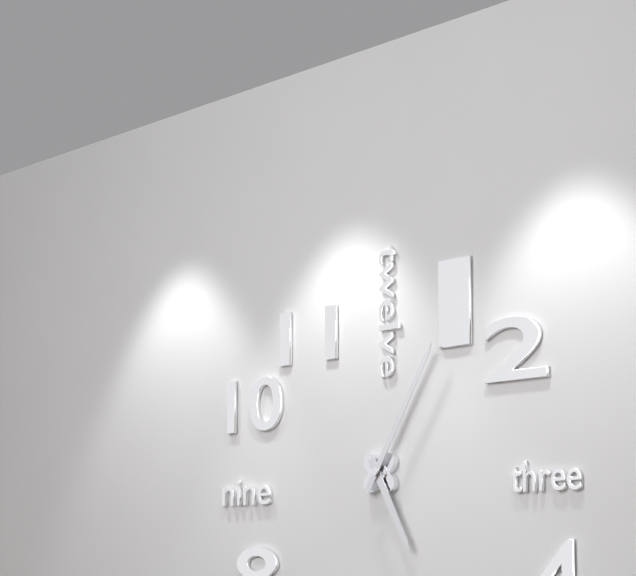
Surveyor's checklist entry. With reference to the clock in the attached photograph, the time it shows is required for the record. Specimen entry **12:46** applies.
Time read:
**5:05**
